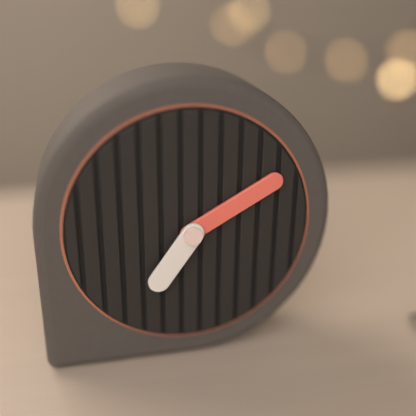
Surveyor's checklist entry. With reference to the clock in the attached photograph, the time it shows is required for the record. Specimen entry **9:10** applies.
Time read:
**7:10**
